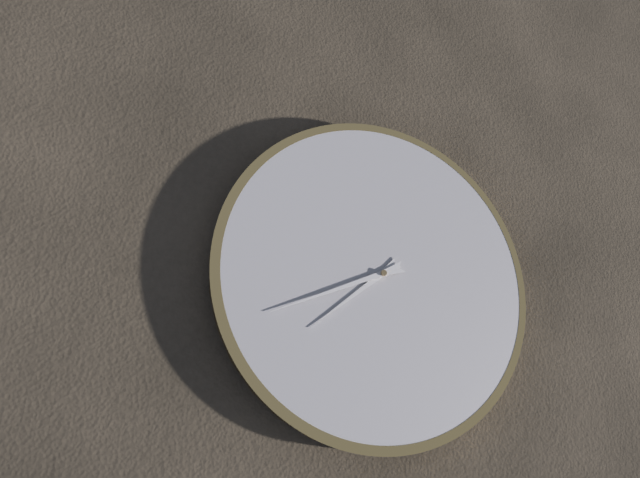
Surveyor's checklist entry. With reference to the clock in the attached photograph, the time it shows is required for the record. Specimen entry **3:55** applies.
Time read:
**7:41**
